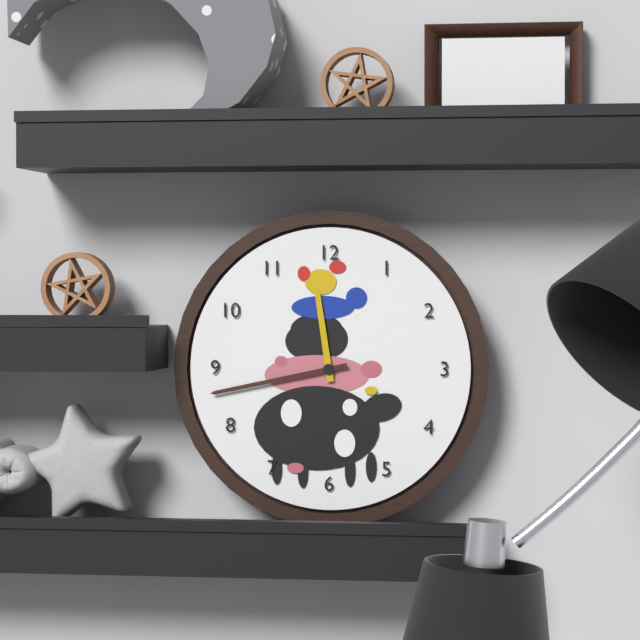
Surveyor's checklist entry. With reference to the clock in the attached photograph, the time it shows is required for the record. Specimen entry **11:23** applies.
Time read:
**11:43**
